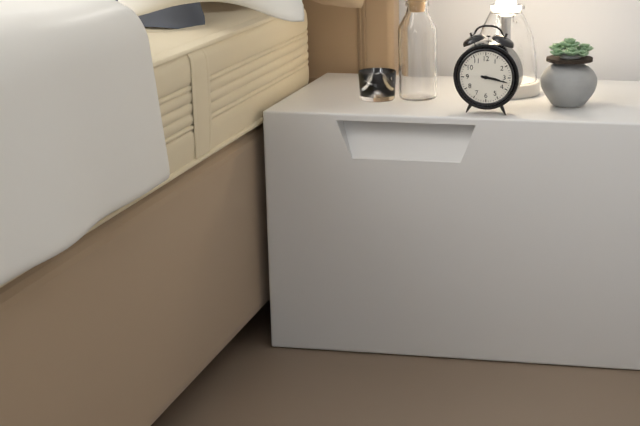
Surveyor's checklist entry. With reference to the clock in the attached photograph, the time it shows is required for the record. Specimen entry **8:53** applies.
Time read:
**3:17**
